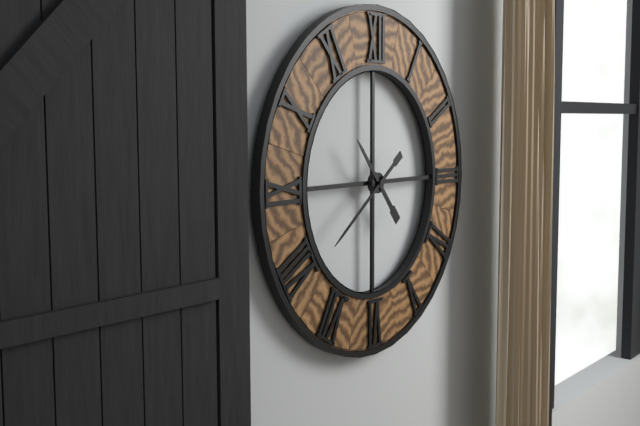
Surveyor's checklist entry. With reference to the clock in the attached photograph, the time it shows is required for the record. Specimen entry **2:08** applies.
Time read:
**10:39**
